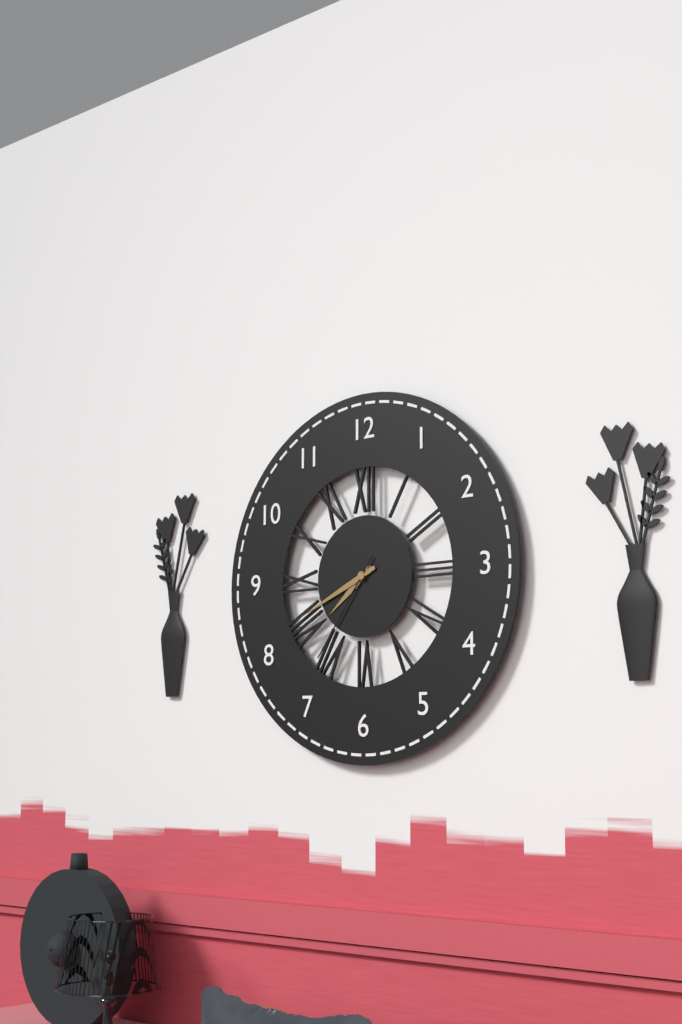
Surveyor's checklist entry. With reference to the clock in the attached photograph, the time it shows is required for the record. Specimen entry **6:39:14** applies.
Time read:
**7:41:36**
